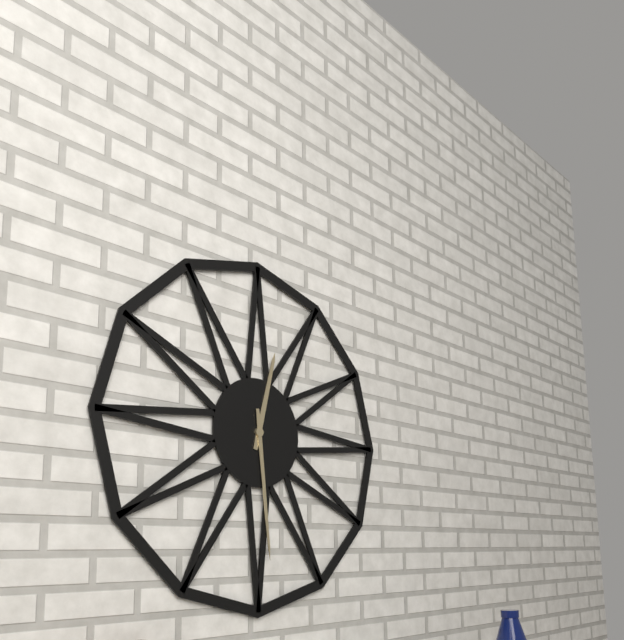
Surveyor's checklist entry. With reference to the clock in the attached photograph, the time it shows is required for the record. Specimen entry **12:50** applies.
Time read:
**12:29**
